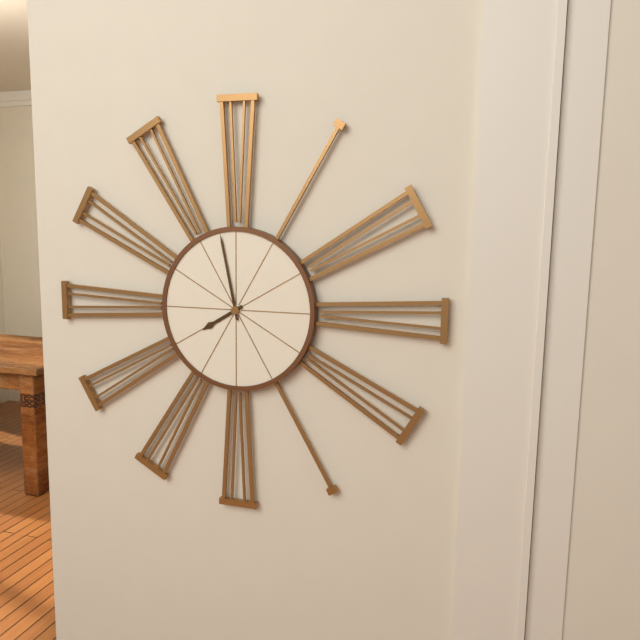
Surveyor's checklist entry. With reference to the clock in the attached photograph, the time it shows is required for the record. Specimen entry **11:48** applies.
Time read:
**7:58**
